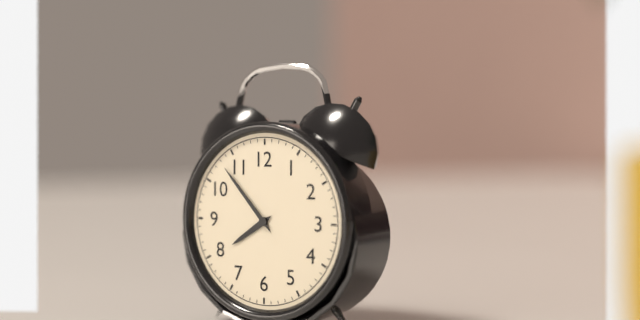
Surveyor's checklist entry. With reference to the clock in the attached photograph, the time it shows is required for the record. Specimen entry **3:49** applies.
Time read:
**7:53**
